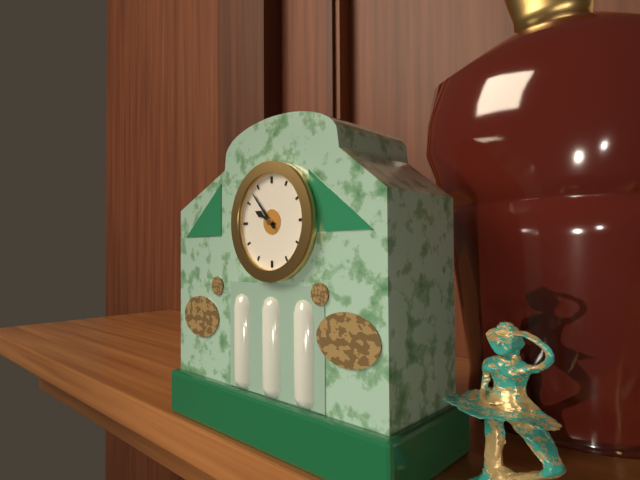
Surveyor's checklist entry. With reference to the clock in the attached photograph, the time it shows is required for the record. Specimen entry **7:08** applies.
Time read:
**9:53**
